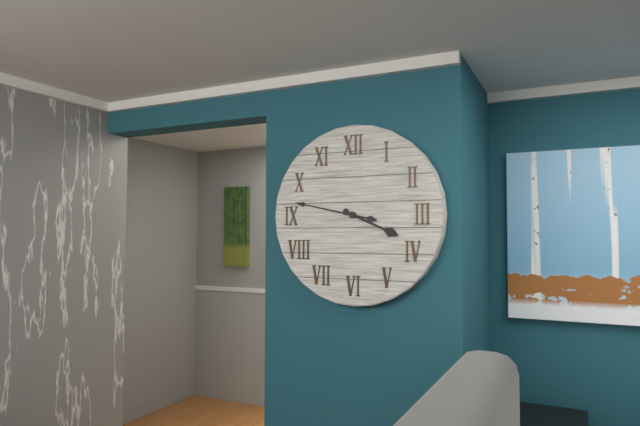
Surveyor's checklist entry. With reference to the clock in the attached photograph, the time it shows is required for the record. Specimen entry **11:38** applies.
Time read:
**3:47**
